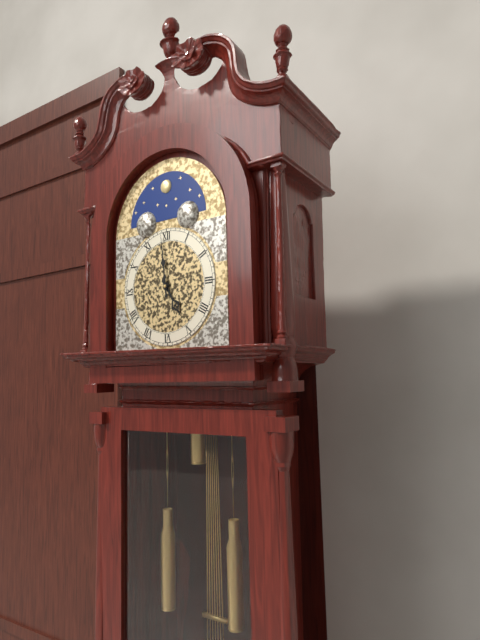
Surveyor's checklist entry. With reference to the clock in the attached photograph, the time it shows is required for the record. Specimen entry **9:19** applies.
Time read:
**4:59**
